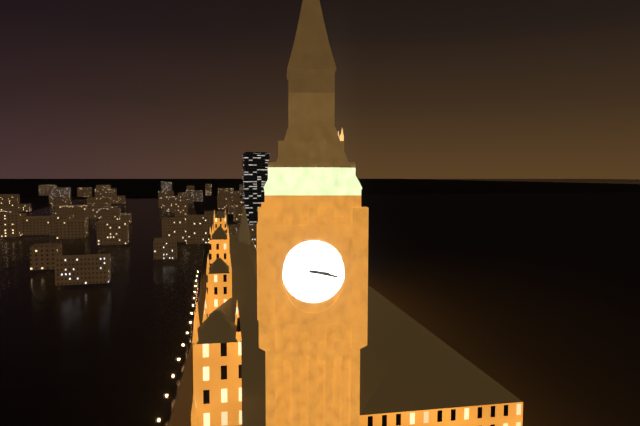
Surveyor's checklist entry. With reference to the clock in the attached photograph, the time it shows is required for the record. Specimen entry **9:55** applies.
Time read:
**3:17**
